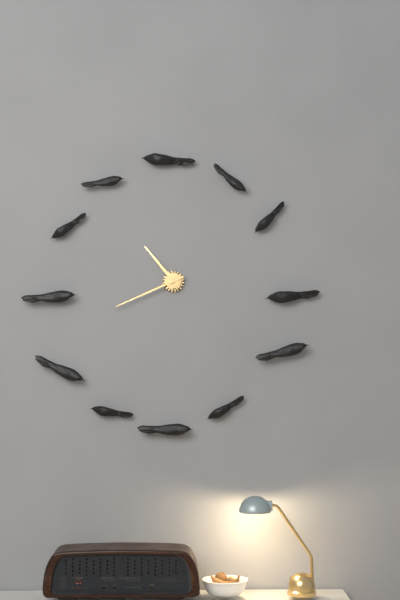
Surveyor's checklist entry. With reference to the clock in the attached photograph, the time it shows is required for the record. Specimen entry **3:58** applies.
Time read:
**10:41**
